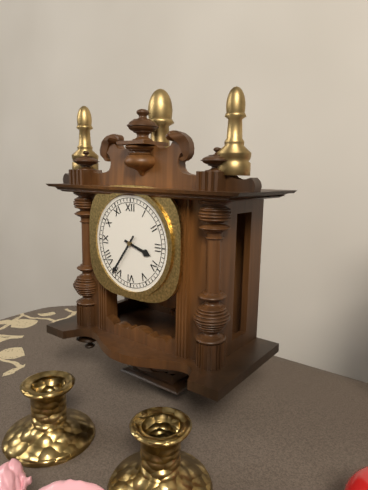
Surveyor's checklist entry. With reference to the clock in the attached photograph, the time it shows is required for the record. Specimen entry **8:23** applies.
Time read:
**3:36**
